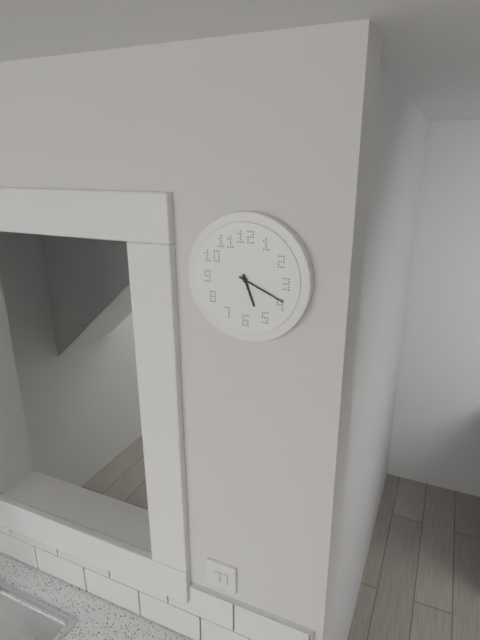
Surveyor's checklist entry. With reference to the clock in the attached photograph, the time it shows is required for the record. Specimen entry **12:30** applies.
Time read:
**5:19**
